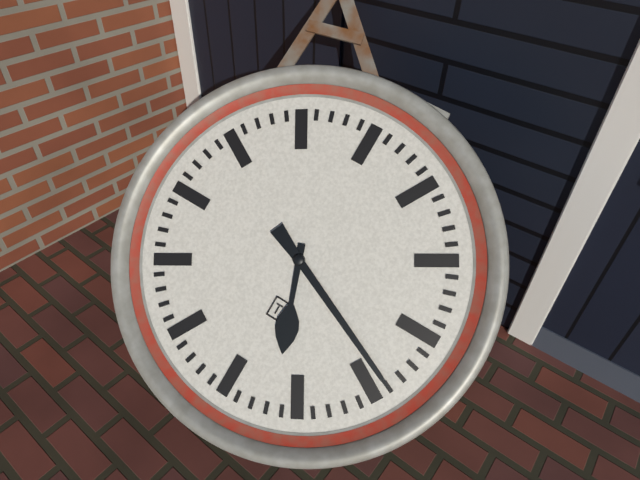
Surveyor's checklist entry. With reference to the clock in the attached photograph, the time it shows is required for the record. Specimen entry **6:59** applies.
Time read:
**5:19**
